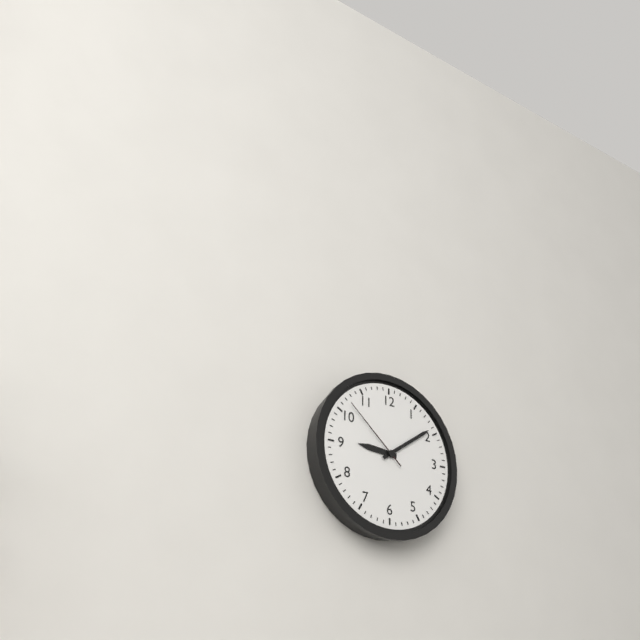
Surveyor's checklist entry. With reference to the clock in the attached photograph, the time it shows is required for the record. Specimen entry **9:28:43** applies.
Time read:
**9:09:52**
